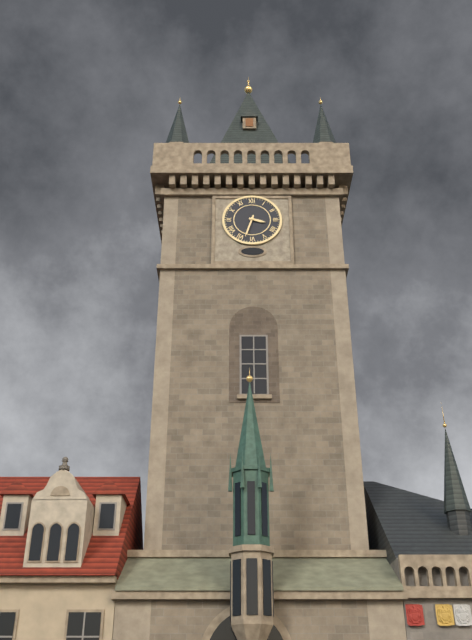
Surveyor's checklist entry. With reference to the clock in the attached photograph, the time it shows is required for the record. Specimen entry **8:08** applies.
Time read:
**3:33**
